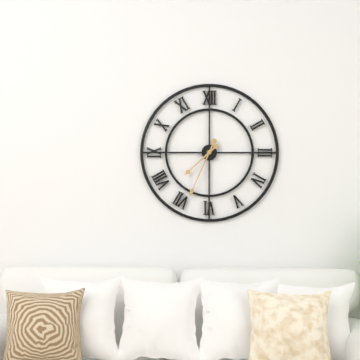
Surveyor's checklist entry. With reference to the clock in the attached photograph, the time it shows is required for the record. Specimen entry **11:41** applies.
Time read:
**7:34**
